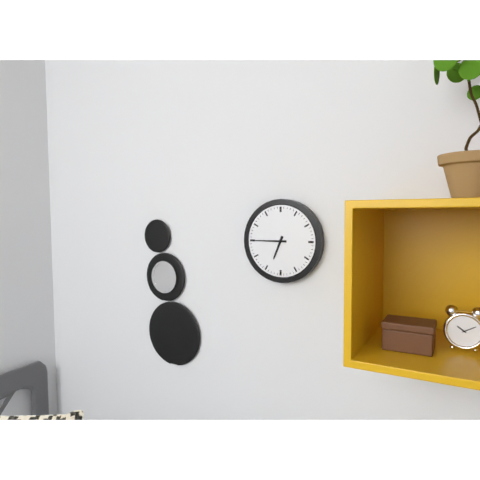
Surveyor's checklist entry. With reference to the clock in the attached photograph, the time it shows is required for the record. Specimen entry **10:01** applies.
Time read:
**6:45**
